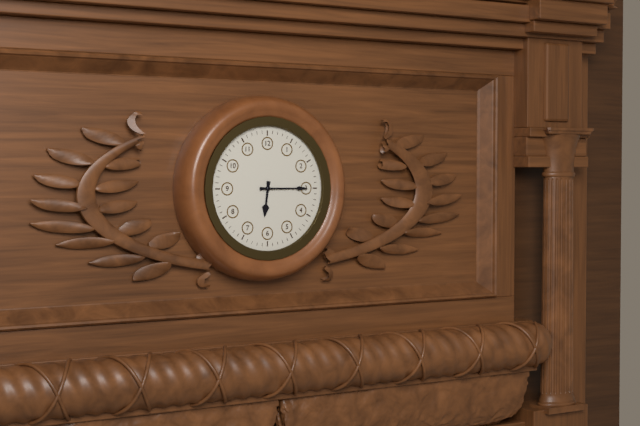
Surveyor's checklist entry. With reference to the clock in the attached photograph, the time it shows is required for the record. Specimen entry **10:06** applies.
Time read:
**6:15**
